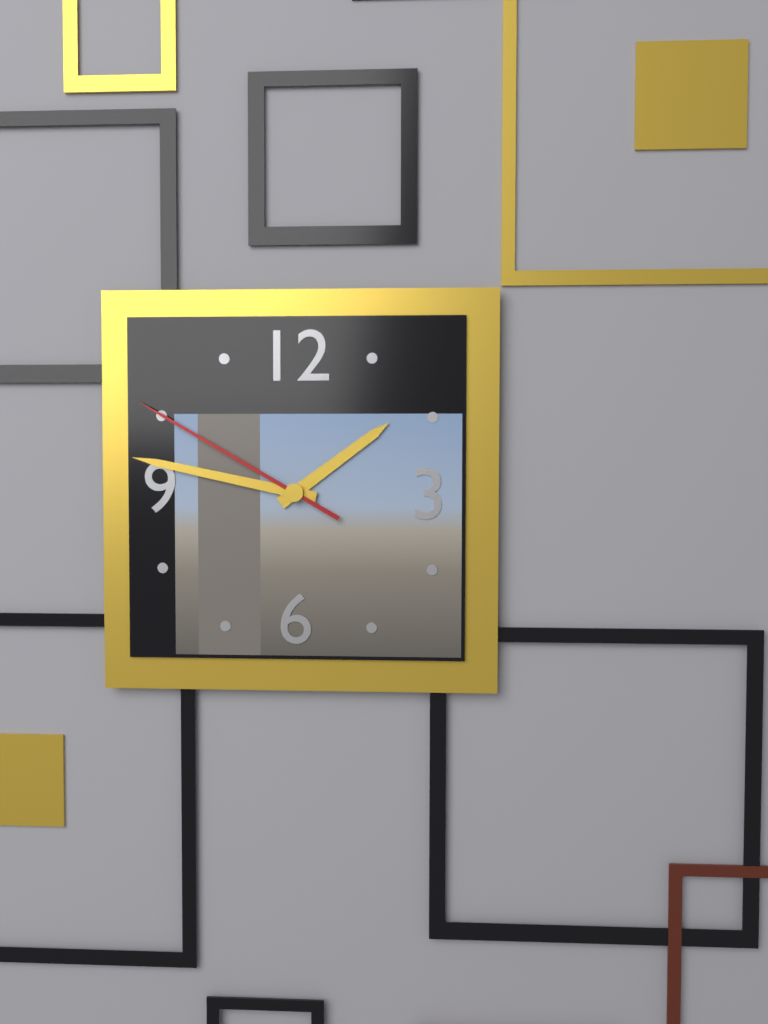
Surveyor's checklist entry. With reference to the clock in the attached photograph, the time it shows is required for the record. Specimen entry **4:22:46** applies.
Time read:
**1:47:50**
